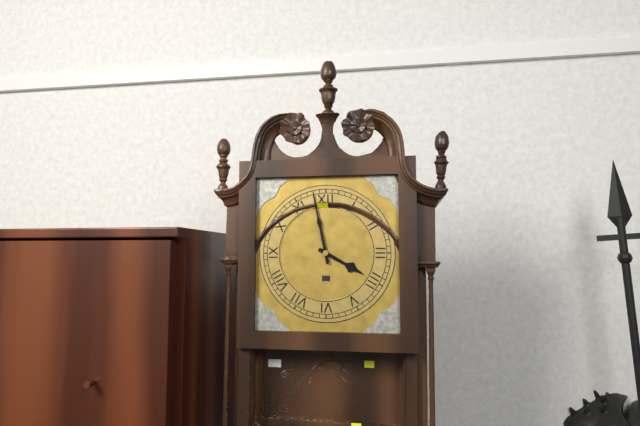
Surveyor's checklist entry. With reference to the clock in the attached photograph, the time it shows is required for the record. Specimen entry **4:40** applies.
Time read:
**3:58**
